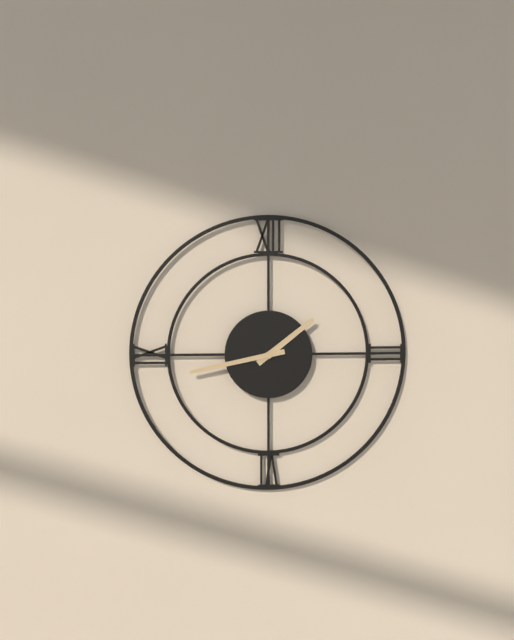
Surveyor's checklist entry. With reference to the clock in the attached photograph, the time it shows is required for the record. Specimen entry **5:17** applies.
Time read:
**1:43**
